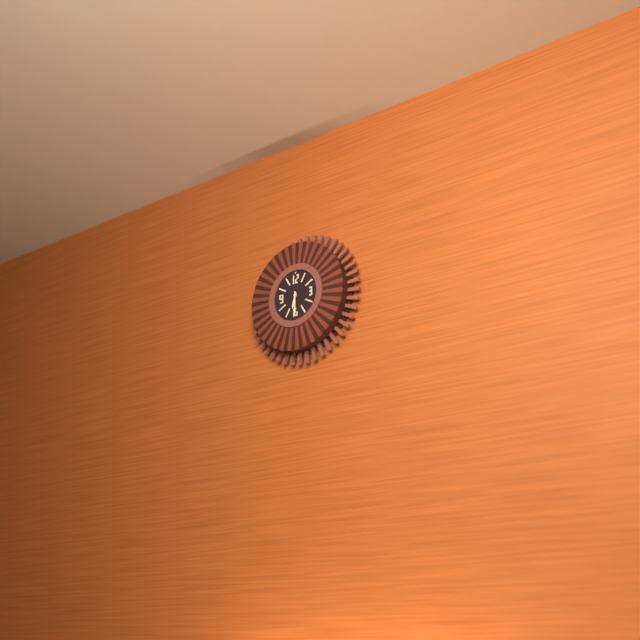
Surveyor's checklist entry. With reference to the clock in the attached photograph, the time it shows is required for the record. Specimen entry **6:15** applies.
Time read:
**6:30**
